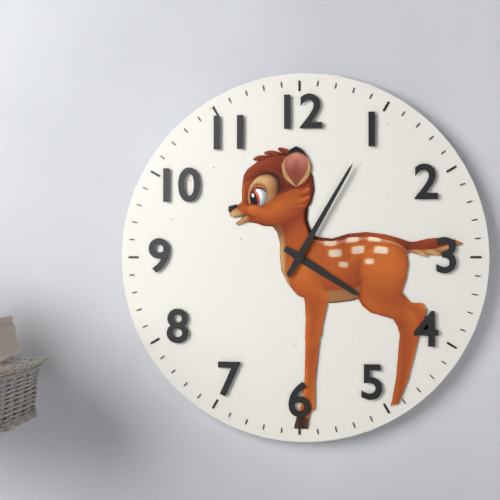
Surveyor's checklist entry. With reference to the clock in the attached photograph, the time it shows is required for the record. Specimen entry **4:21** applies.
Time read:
**4:05**
